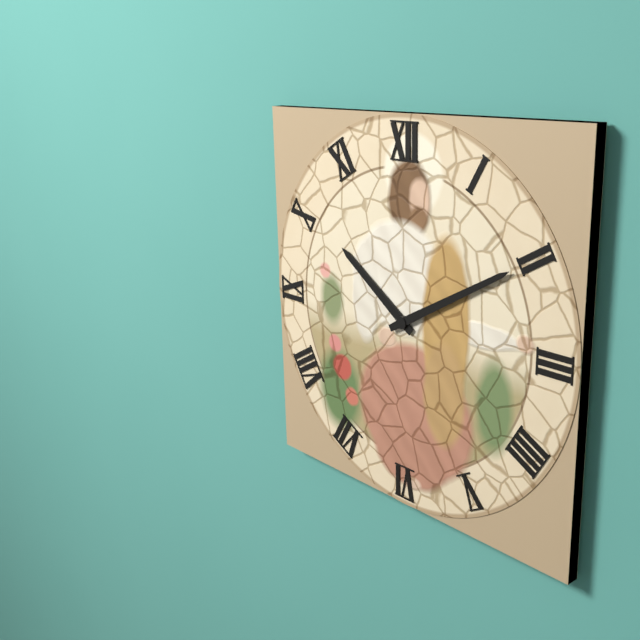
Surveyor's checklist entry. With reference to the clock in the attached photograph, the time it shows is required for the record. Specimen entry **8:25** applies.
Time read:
**10:10**
